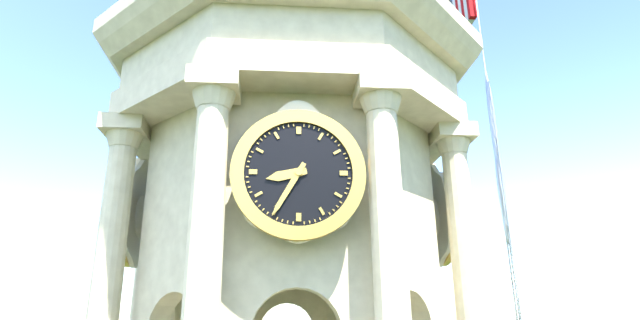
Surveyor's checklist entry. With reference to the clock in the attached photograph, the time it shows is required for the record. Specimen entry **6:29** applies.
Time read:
**8:35**
